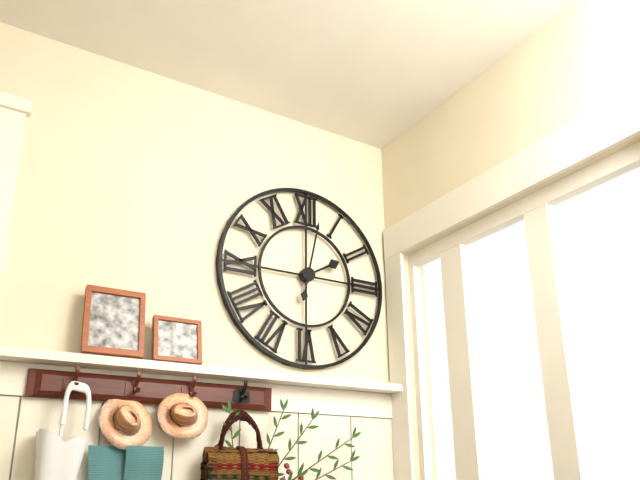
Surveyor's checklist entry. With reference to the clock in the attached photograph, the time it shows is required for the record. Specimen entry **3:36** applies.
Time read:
**2:02**
